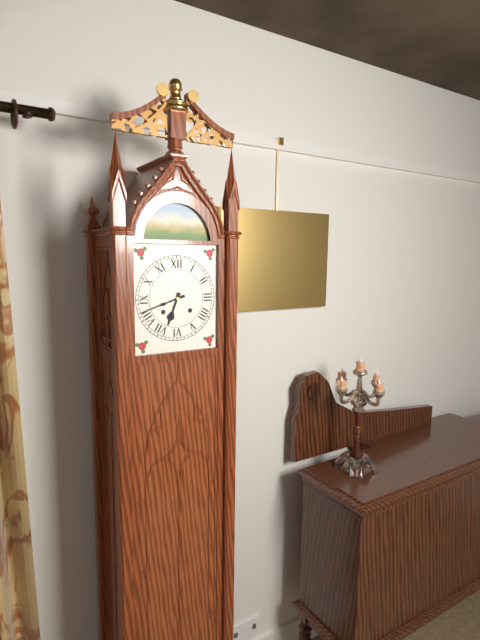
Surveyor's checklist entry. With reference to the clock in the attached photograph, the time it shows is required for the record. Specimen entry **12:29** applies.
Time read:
**6:42**
